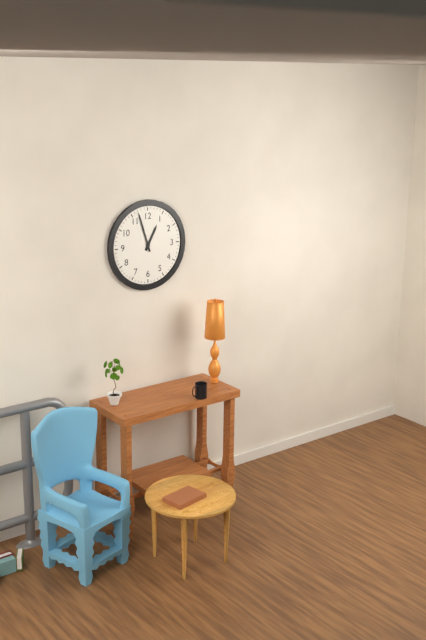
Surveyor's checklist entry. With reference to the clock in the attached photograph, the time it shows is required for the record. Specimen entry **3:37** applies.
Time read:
**12:57**
